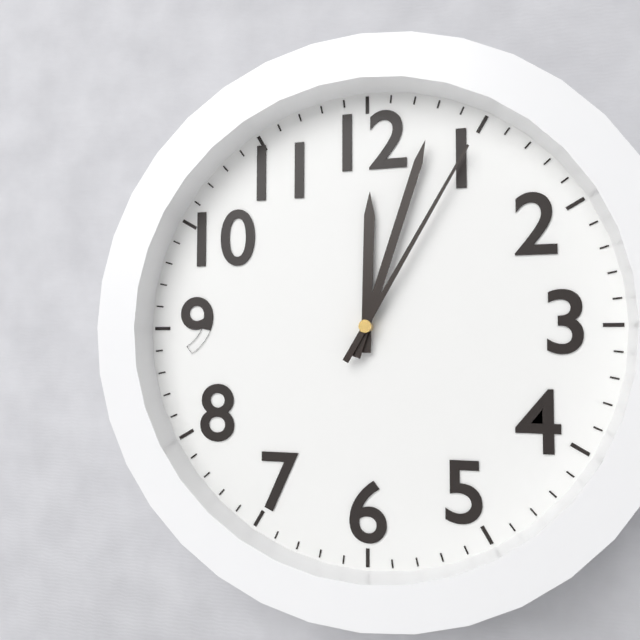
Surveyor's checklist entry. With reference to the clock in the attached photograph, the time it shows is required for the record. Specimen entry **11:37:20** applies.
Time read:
**12:03:05**
